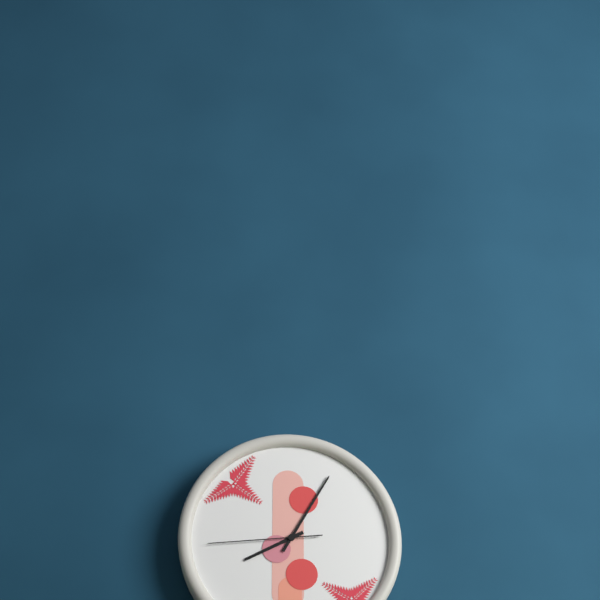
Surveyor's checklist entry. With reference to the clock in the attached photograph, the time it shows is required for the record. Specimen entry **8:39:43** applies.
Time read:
**8:05:44**
